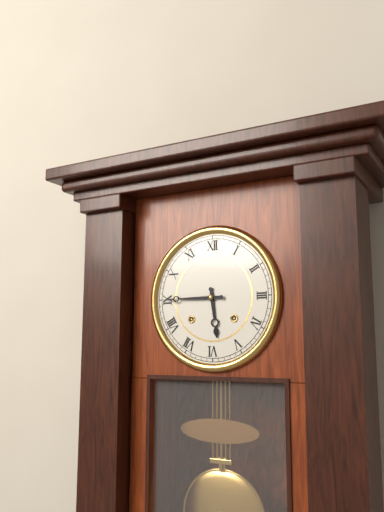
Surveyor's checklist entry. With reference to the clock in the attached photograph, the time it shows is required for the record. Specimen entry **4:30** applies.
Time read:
**5:45**
